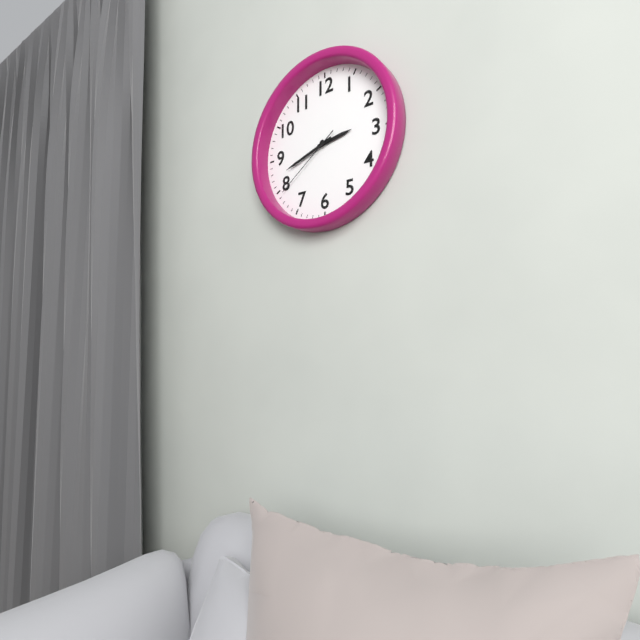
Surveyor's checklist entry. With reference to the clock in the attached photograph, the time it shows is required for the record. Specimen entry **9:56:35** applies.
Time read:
**2:42:39**
